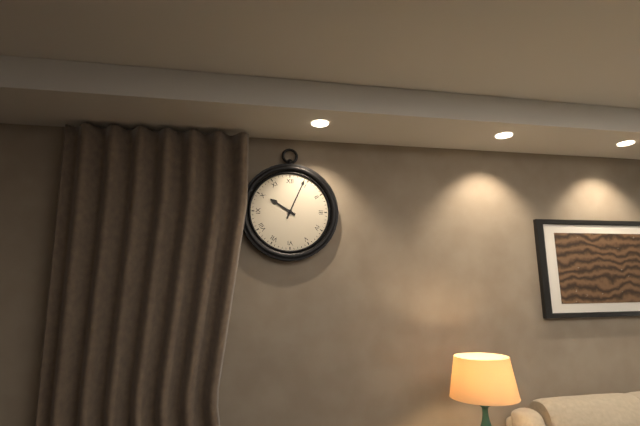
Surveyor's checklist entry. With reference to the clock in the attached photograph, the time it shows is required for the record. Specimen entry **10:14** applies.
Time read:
**10:04**
